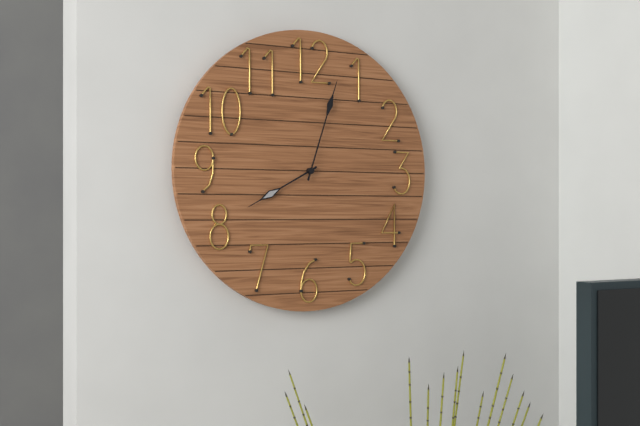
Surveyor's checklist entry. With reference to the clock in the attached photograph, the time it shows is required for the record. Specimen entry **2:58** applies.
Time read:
**8:03**
